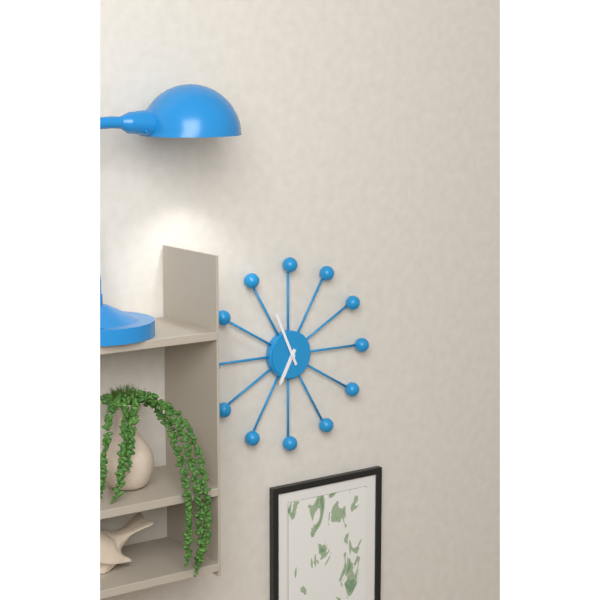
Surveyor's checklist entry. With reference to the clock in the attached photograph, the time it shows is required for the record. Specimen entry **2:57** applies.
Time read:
**6:56**
